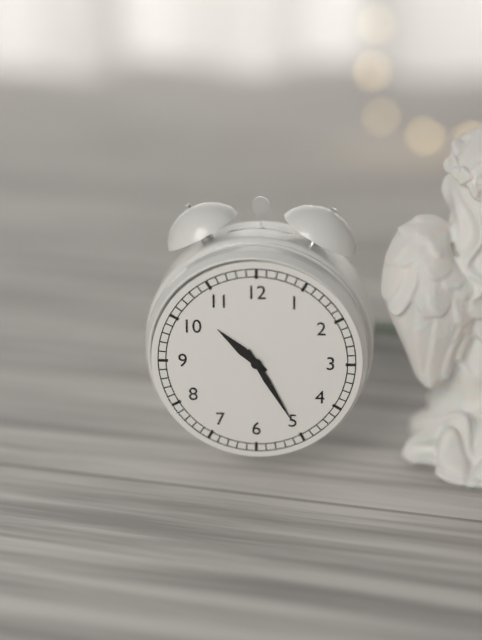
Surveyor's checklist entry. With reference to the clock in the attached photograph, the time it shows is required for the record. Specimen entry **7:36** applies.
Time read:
**10:25**
